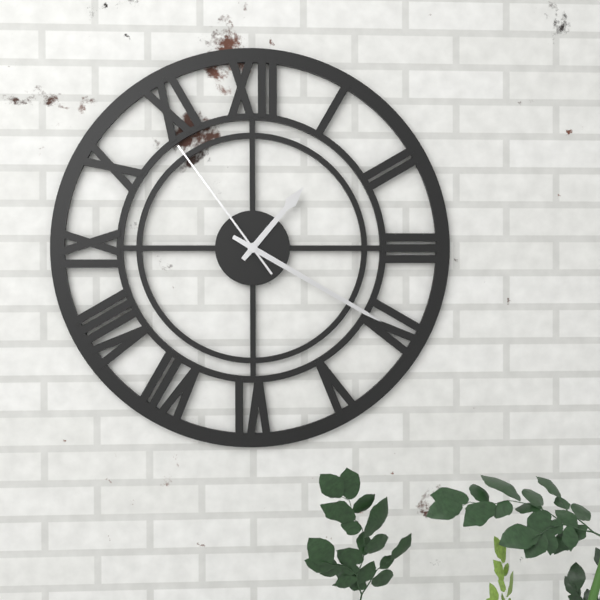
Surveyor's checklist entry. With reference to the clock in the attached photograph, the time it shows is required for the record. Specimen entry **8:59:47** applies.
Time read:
**1:20:54**
